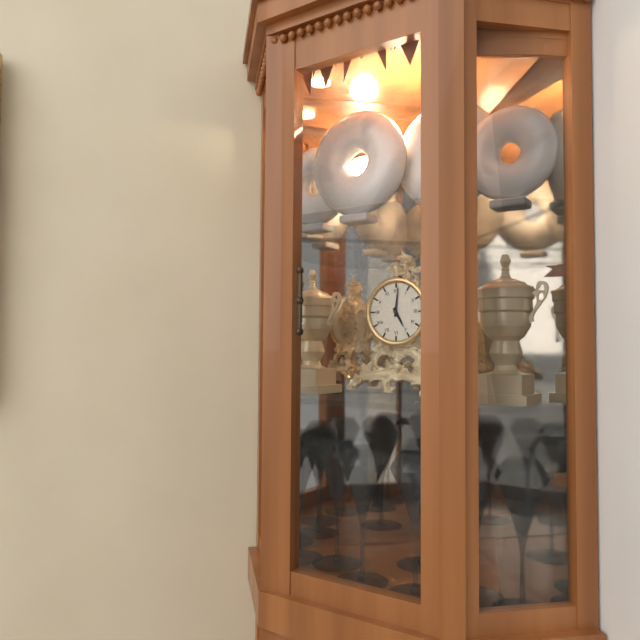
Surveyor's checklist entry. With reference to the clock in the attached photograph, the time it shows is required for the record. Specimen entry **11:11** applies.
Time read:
**5:01**
